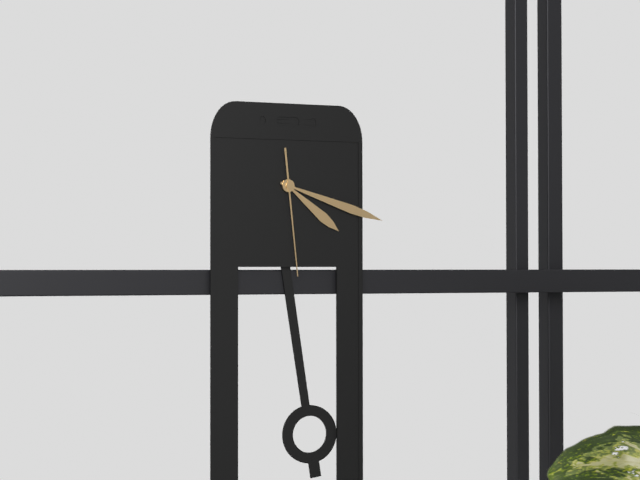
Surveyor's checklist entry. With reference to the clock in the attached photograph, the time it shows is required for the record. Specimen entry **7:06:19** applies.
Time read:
**4:18:29**
